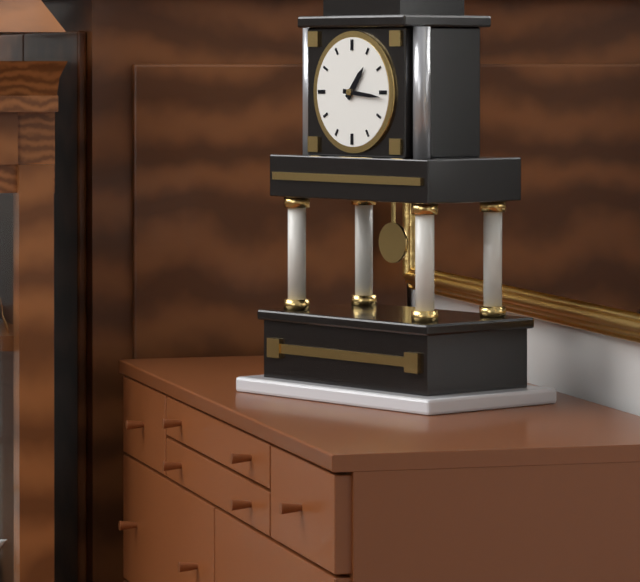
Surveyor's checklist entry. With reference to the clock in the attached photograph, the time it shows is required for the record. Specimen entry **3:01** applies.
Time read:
**1:16**
